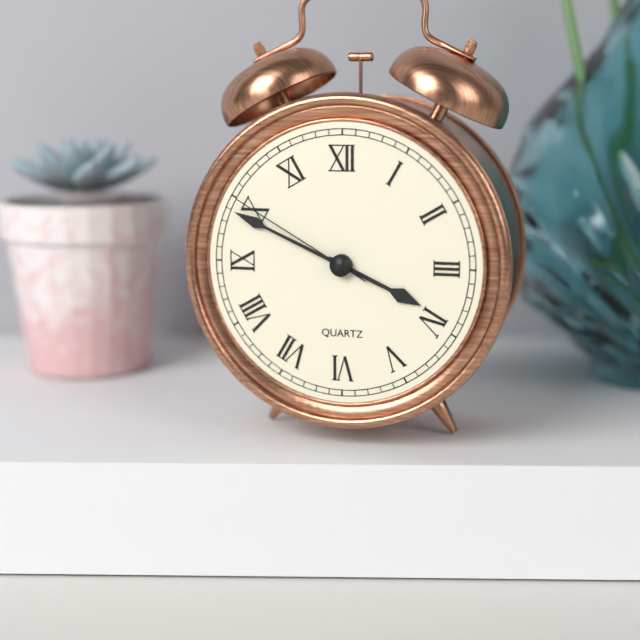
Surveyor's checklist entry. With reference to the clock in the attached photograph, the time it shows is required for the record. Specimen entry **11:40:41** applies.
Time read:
**3:49:50**
